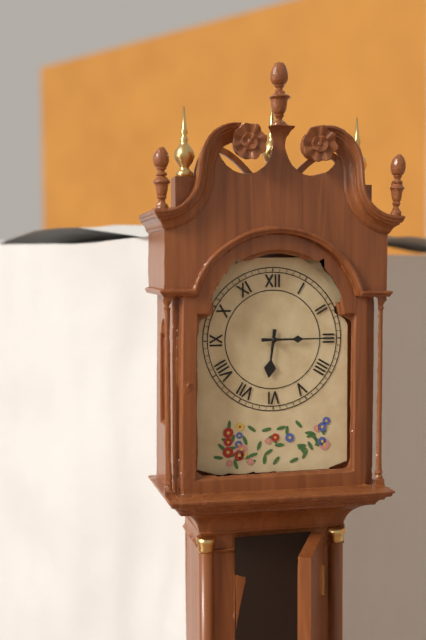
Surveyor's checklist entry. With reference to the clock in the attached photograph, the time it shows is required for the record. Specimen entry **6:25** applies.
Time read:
**6:15**
